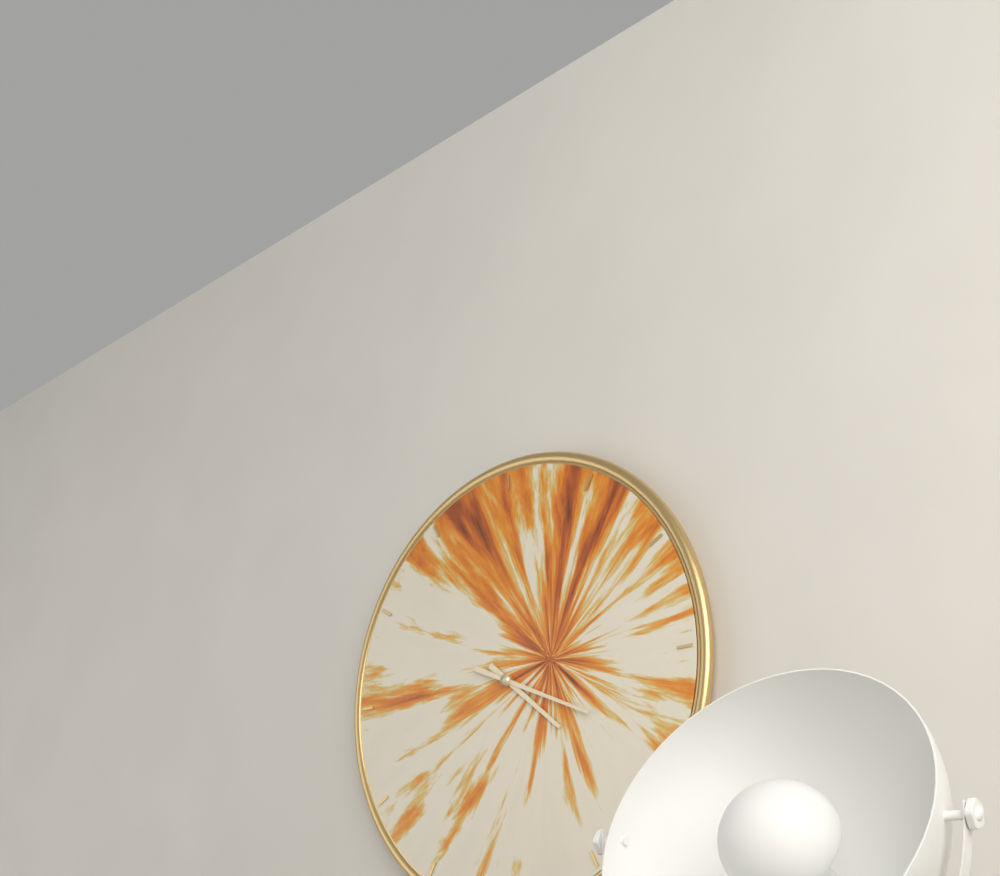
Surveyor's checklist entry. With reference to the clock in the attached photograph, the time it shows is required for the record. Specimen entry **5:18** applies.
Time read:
**4:19**
